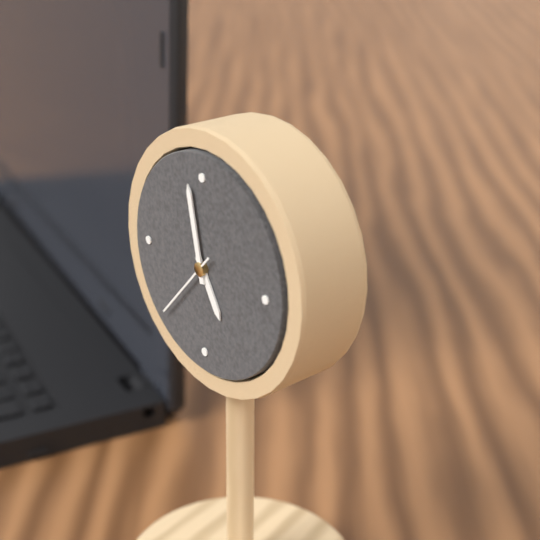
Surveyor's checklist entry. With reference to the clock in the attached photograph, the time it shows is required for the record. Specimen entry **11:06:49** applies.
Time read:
**4:58:37**
